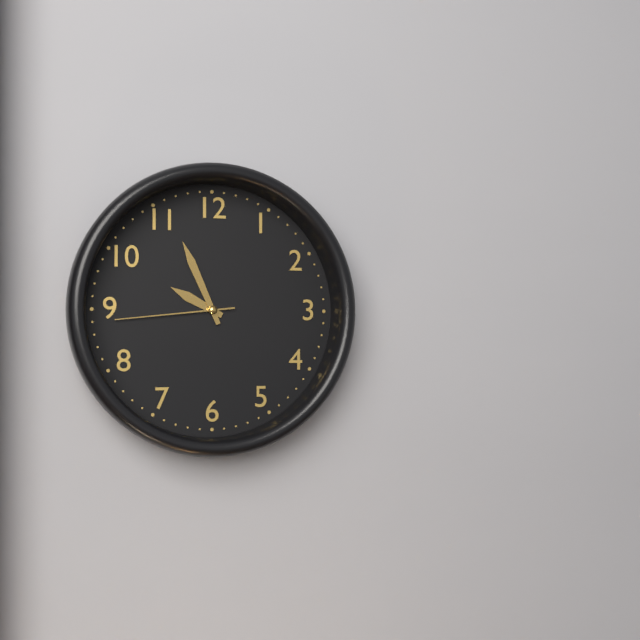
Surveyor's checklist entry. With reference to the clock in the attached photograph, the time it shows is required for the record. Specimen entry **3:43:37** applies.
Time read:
**9:56:44**
